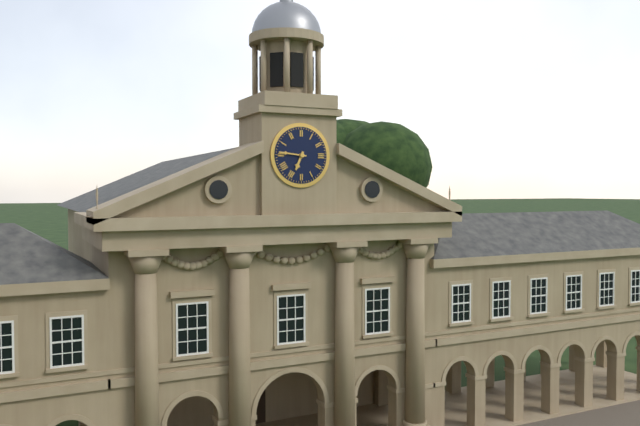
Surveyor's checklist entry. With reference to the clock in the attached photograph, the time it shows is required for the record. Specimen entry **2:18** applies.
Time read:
**6:46**
